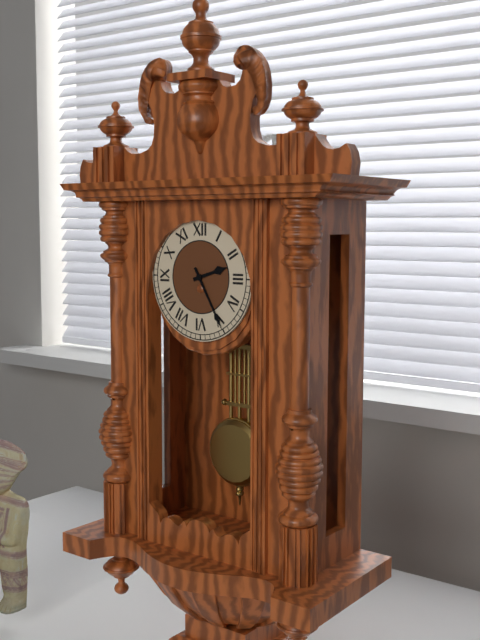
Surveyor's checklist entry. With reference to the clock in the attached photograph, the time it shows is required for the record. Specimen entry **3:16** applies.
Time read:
**2:25**
